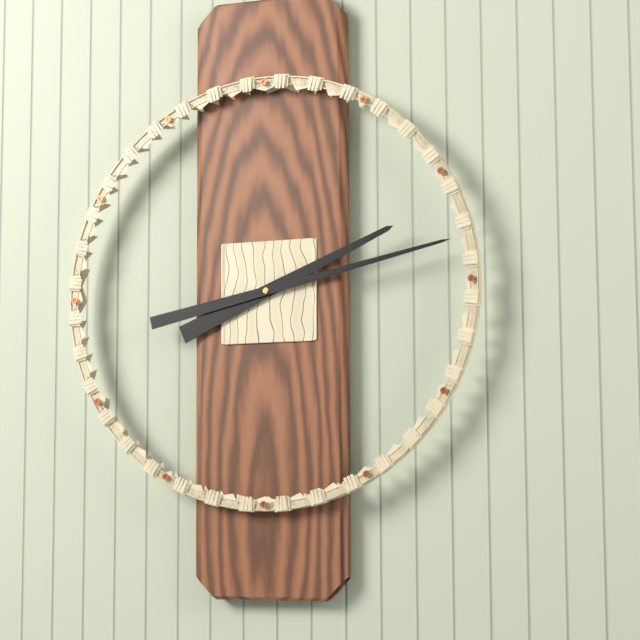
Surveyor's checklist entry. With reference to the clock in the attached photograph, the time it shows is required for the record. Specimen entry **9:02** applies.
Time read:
**2:13**
